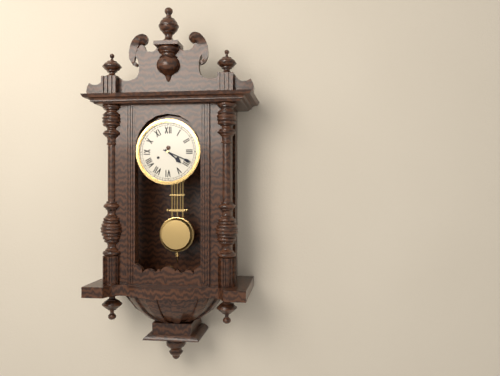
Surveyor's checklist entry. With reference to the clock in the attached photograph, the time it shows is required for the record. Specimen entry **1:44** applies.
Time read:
**4:19**
